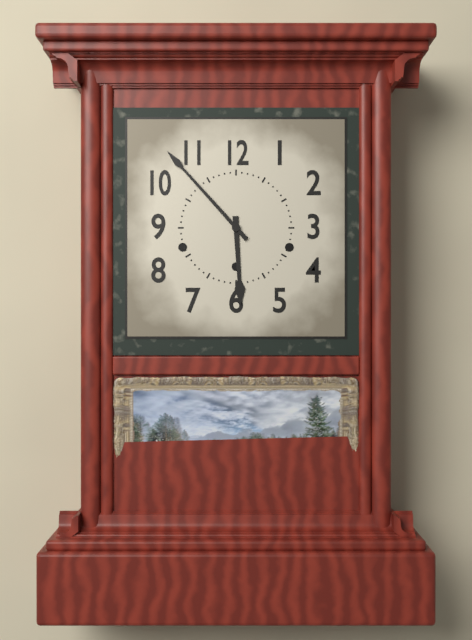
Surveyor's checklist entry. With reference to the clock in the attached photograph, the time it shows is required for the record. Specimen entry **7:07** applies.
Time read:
**5:53**
